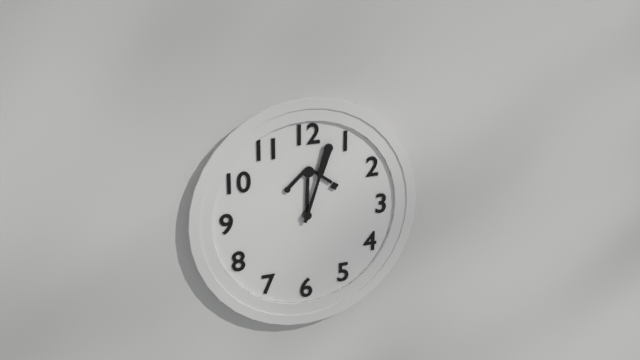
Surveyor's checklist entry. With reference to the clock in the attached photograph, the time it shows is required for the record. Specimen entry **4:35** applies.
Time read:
**12:03**
